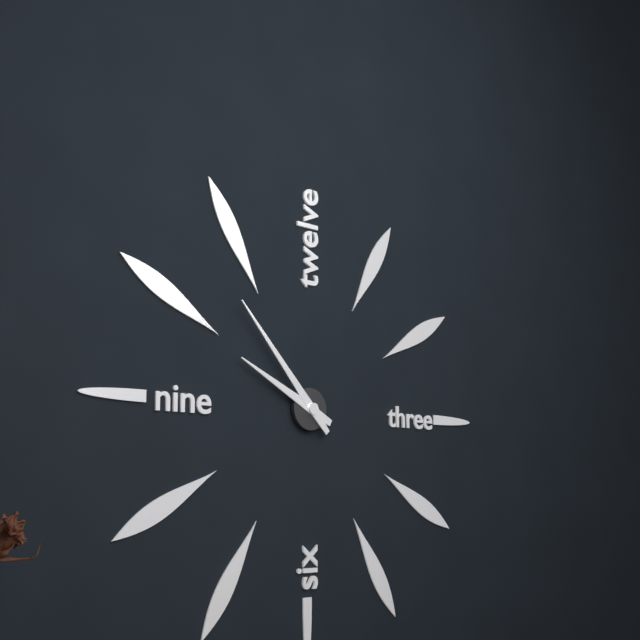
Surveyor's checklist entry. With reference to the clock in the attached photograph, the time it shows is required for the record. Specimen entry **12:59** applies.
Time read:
**9:53**
